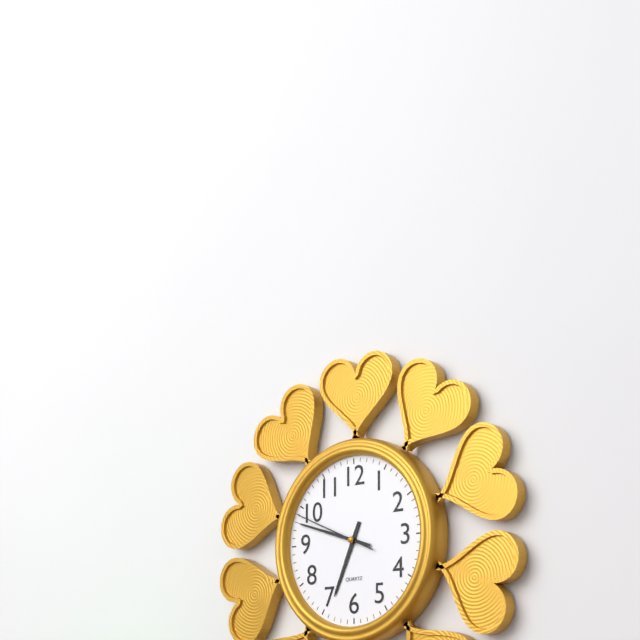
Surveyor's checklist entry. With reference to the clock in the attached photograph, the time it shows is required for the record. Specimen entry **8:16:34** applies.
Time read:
**6:48:49**
